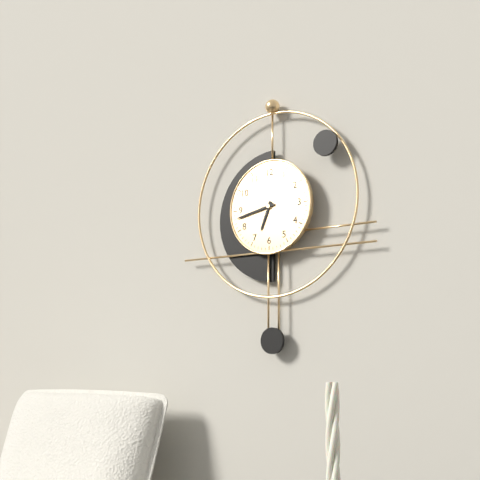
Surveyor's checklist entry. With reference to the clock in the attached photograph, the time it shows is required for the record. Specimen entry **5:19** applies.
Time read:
**6:43**
